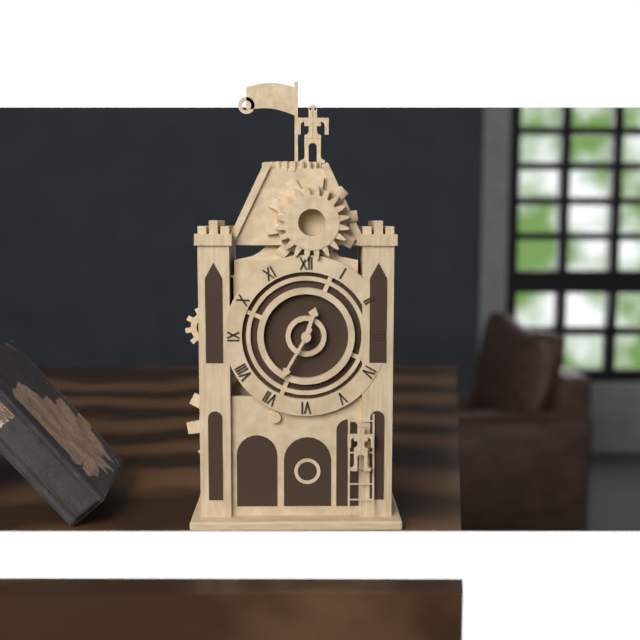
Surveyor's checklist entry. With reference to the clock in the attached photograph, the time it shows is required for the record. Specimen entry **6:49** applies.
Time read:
**12:35**
